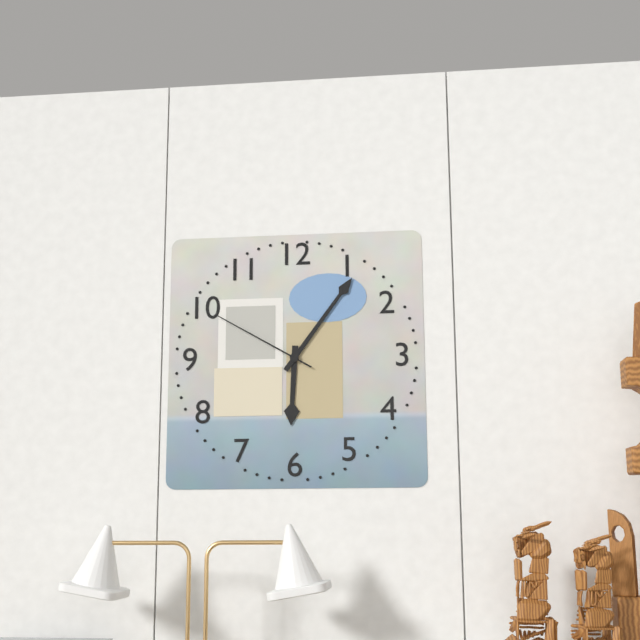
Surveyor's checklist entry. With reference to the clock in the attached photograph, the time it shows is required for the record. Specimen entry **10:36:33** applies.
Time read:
**6:06:50**
